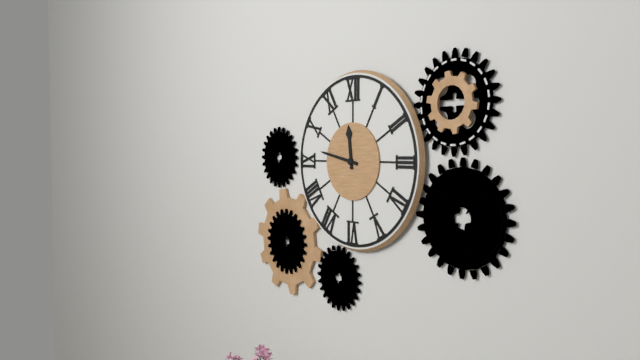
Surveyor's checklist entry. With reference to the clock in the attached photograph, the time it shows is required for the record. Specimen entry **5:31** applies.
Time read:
**11:47**
